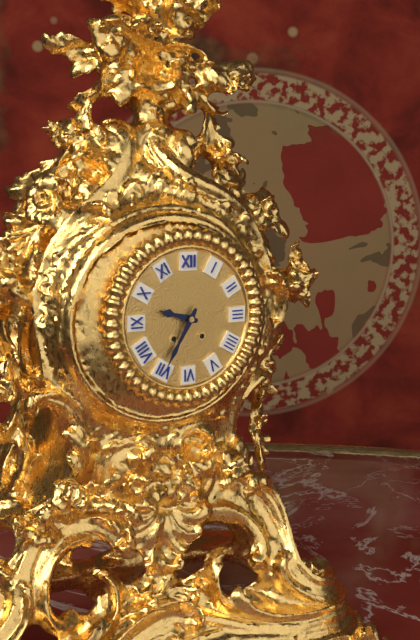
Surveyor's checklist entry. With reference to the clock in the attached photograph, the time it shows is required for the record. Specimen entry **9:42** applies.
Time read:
**9:35**
